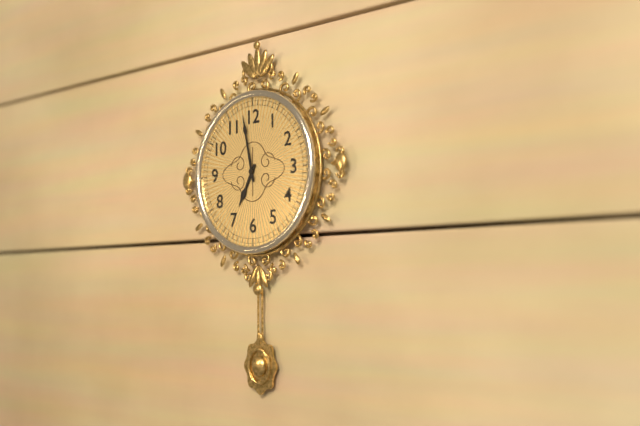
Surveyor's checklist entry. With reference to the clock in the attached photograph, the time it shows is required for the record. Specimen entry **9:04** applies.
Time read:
**6:58**
